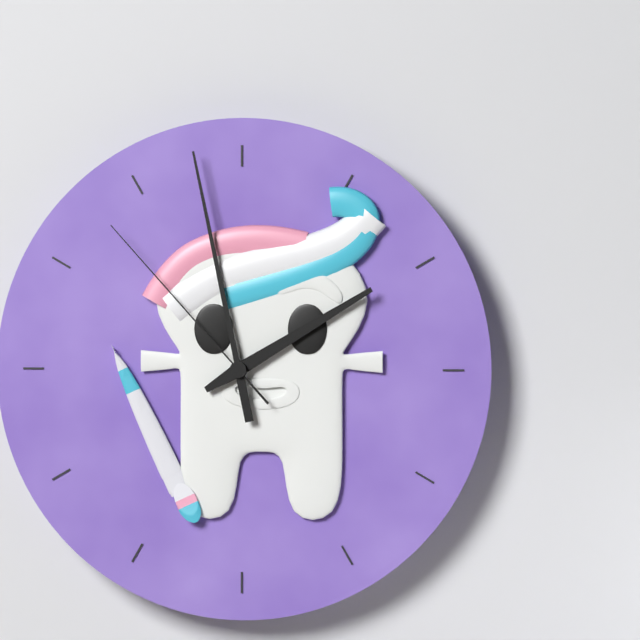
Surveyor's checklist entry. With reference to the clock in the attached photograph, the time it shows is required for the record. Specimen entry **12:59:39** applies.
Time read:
**1:58:53**
